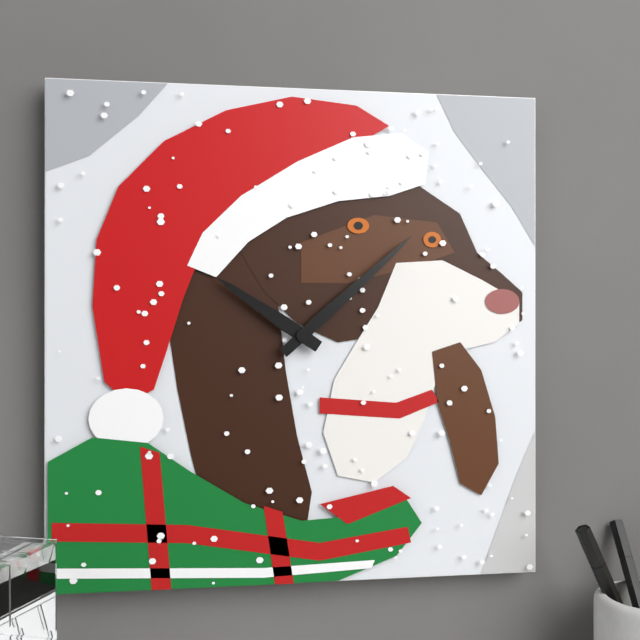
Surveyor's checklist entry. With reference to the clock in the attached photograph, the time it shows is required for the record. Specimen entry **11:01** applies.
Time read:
**10:08**
